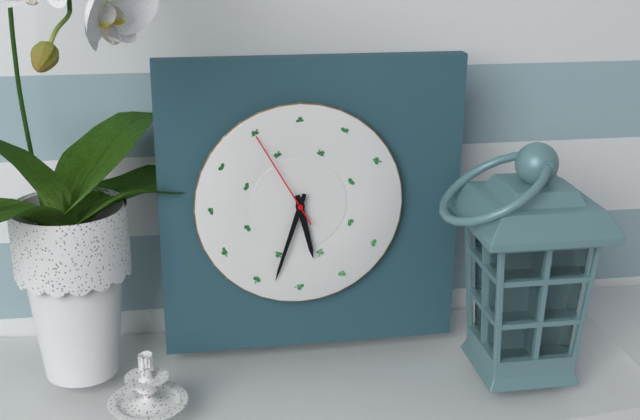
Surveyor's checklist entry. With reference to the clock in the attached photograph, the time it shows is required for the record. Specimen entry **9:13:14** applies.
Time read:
**5:33:55**
